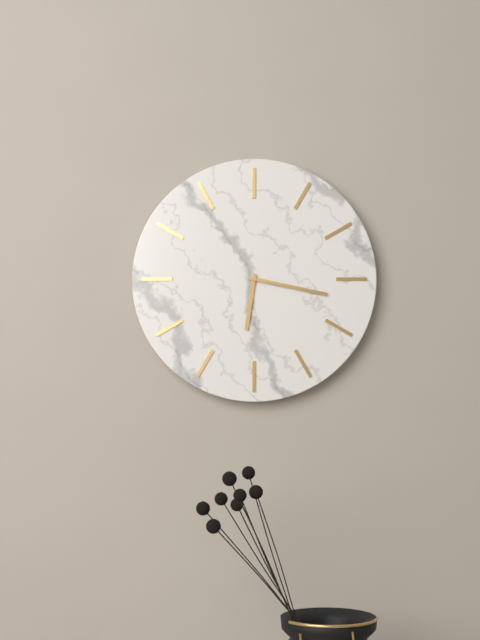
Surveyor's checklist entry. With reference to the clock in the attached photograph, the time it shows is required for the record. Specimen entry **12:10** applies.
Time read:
**6:17**
